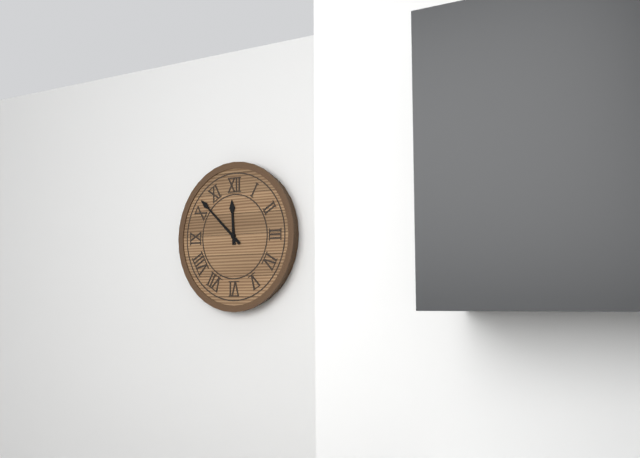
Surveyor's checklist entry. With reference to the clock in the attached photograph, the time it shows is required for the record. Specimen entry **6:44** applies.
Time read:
**11:52**
